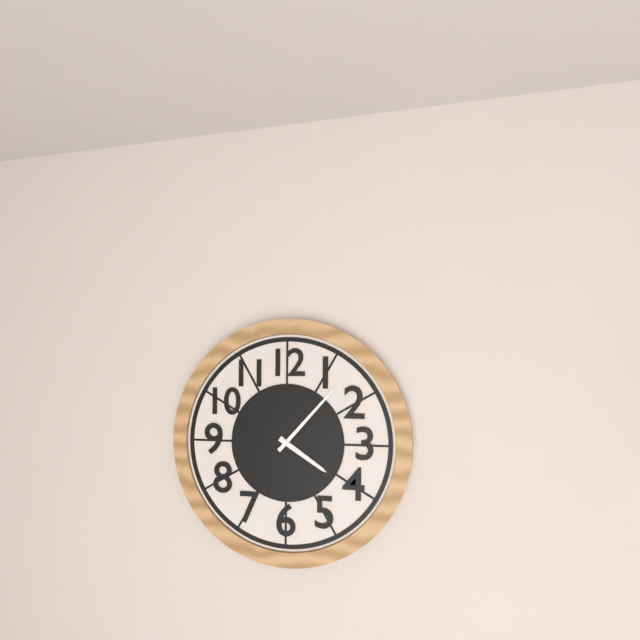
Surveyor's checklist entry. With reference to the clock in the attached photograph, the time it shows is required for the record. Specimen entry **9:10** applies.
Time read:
**4:07**
